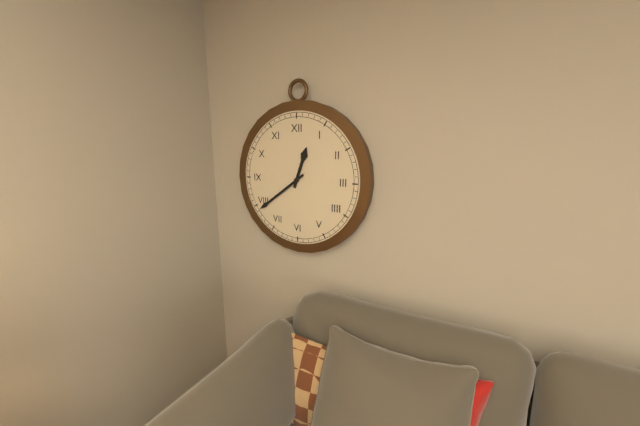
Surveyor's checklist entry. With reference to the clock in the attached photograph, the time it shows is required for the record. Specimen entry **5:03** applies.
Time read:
**12:39**
